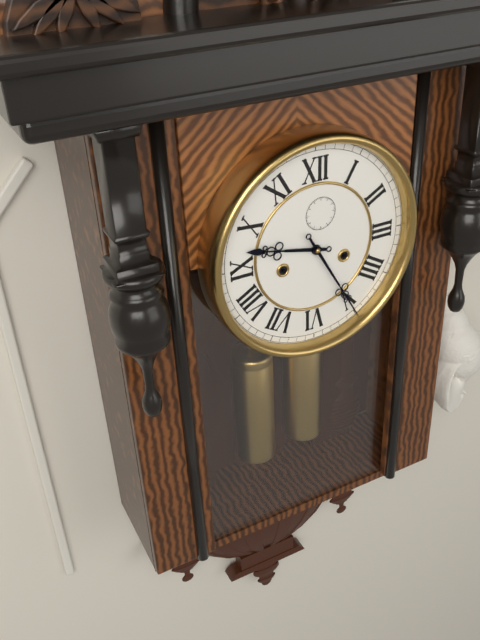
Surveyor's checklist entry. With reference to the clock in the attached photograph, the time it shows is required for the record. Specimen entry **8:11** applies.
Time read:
**9:25**
